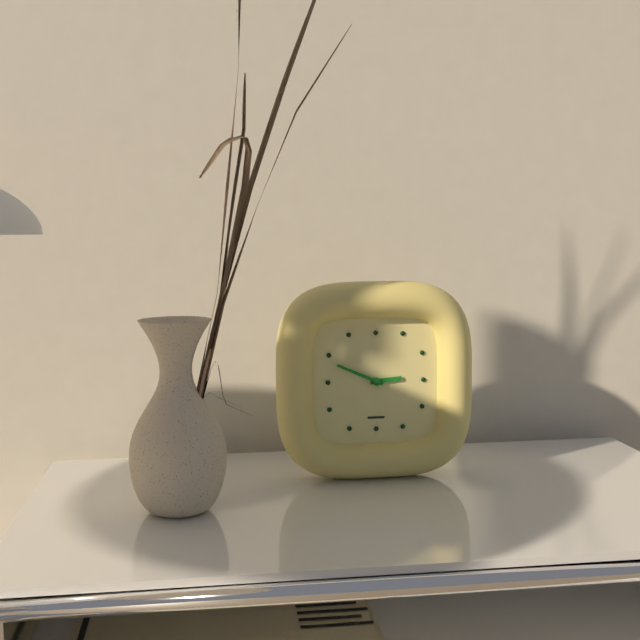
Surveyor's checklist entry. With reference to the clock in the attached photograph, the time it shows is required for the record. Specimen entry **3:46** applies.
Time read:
**2:49**
